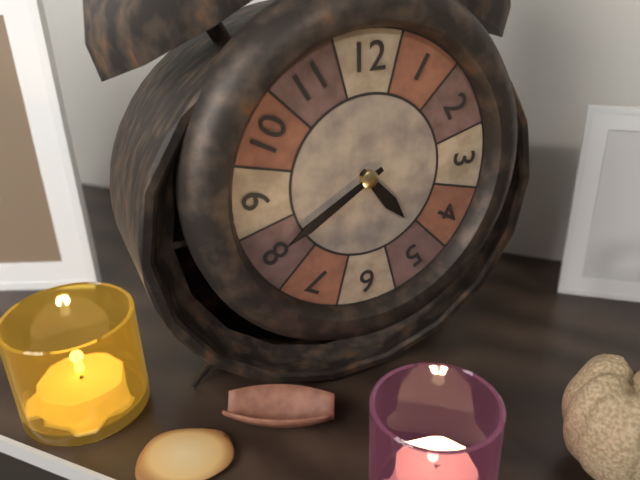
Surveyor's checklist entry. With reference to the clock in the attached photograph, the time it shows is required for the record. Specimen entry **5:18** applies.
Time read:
**4:40**
